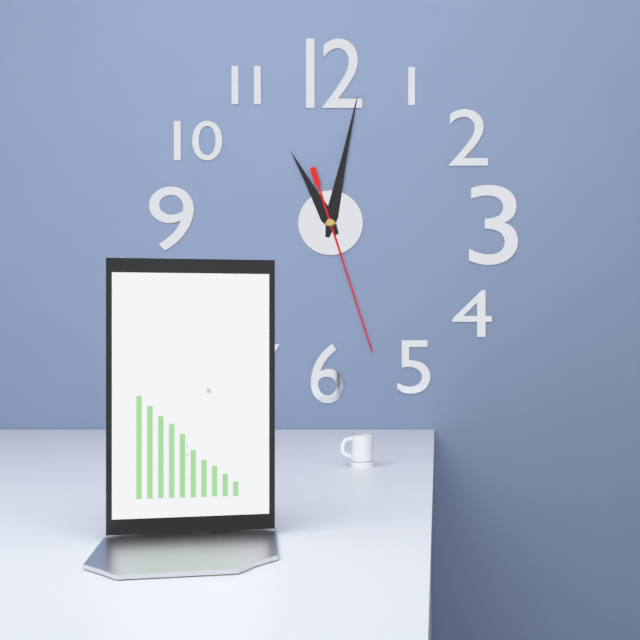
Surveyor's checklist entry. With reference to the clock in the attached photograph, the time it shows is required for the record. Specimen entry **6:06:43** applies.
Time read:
**11:02:27**
